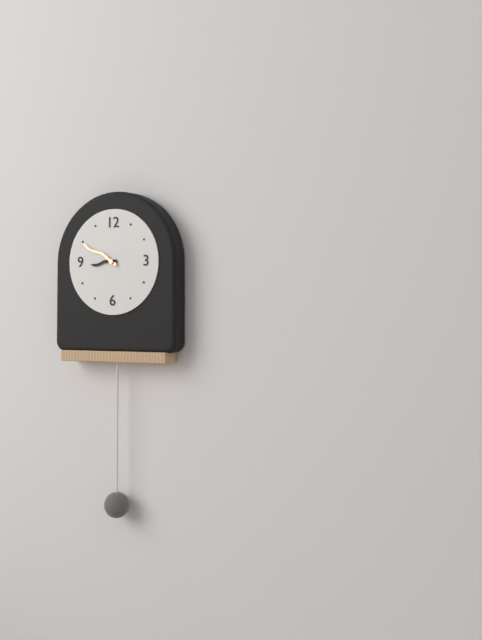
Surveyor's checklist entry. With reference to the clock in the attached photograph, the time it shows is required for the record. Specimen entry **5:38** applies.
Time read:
**8:50**
